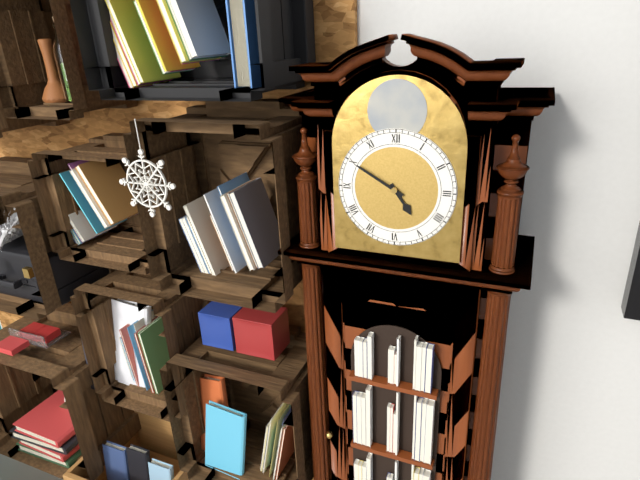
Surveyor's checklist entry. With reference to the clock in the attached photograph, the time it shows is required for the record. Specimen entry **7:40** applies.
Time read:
**4:50**
